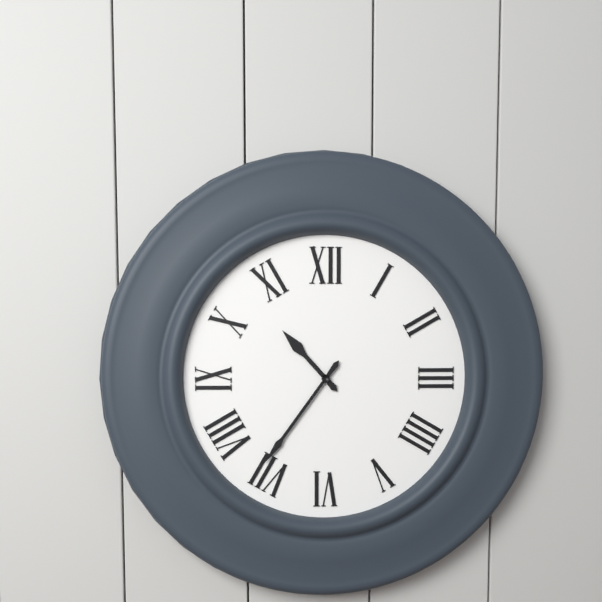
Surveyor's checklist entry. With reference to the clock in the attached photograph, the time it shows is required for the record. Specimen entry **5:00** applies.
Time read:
**10:36**
